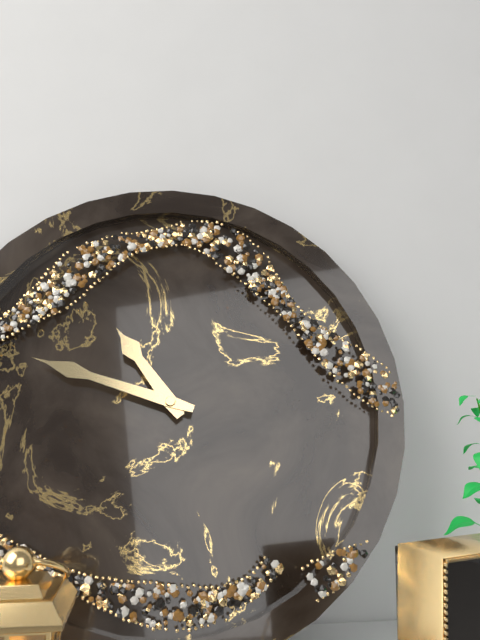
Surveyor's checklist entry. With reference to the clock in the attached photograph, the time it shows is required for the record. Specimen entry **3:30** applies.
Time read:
**10:48**
